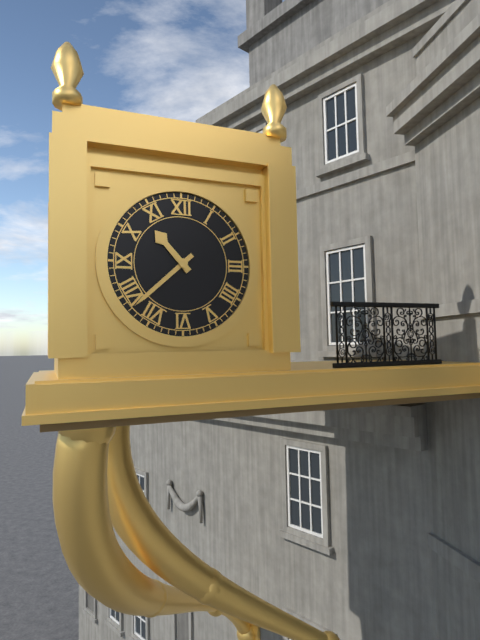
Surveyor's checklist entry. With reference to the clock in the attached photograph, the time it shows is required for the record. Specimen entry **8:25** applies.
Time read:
**10:38**
